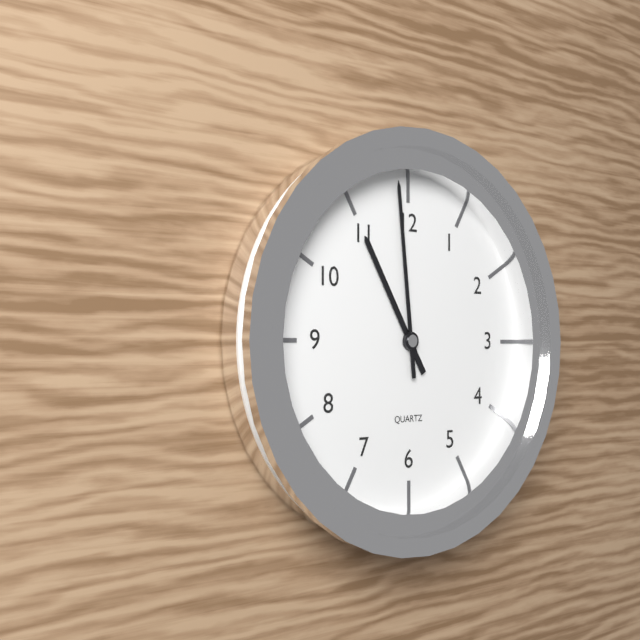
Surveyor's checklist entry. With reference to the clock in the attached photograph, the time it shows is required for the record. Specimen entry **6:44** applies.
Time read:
**10:59**
